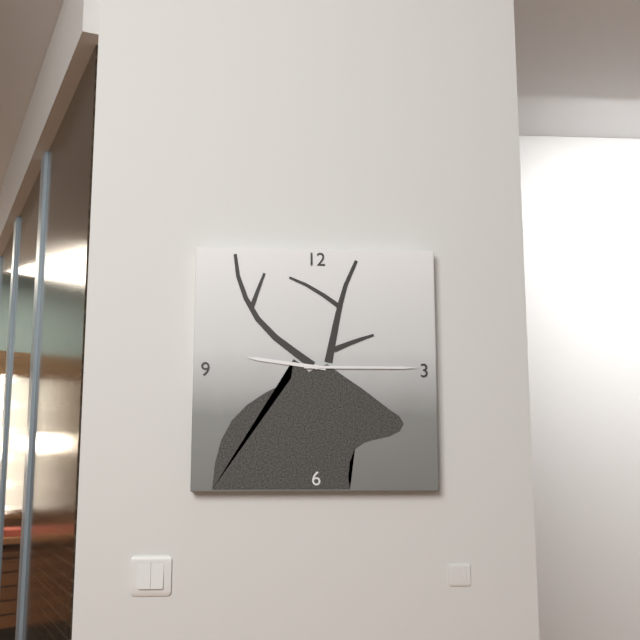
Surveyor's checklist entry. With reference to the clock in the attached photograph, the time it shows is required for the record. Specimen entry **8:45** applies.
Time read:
**9:15**
